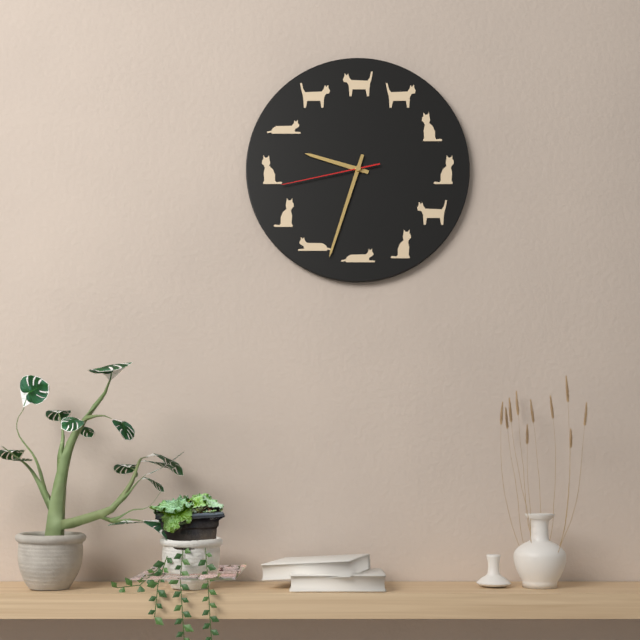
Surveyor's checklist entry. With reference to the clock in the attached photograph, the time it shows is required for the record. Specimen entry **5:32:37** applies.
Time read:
**9:33:43**
